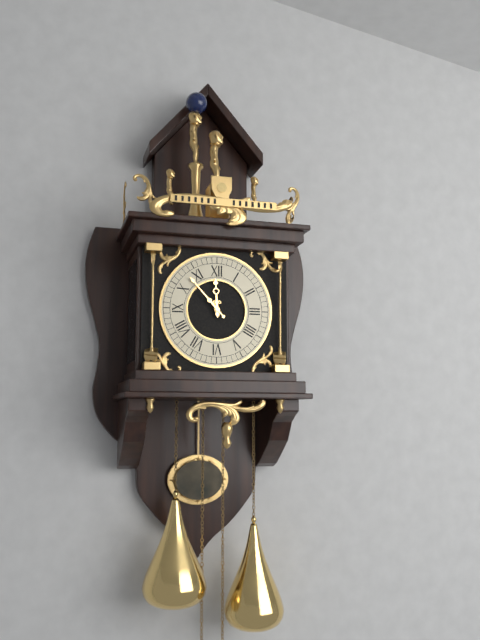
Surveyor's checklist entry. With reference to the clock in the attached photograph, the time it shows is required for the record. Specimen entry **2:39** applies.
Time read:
**11:53**
